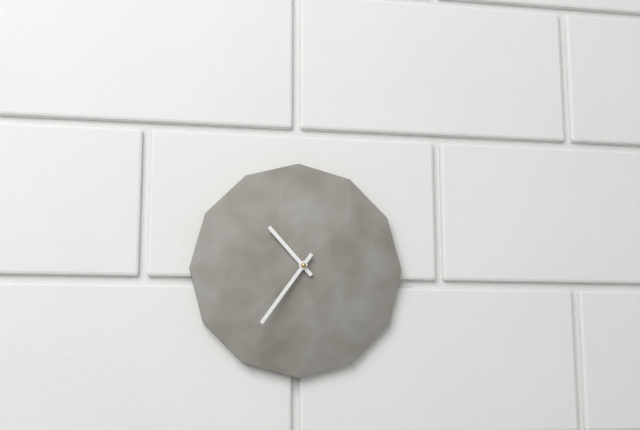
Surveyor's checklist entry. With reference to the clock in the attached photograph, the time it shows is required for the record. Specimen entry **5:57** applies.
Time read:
**10:36**
